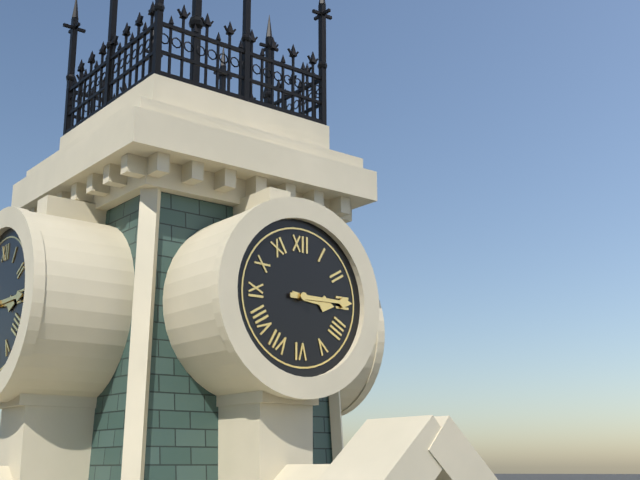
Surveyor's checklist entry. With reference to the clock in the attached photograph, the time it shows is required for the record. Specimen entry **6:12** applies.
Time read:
**3:15**
